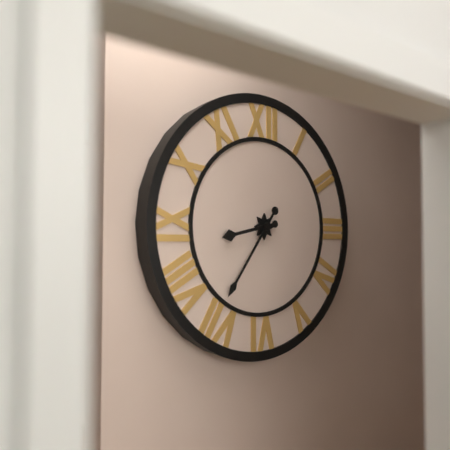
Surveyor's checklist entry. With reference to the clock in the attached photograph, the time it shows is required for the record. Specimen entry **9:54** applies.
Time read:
**8:36**
